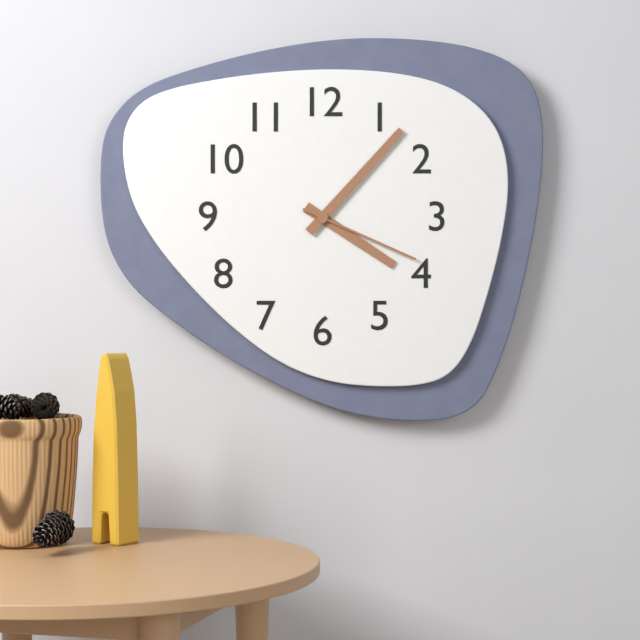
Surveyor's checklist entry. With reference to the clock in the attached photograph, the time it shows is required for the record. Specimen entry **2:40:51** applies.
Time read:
**4:07:19**
